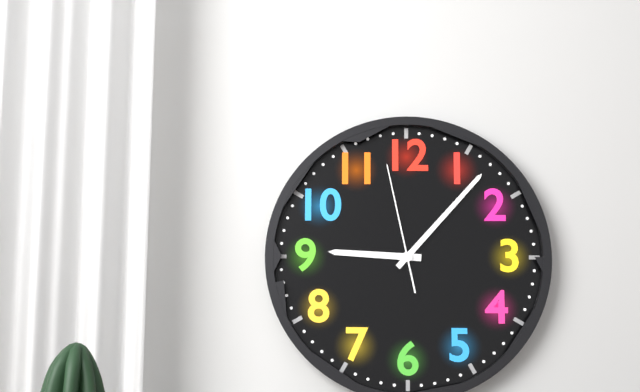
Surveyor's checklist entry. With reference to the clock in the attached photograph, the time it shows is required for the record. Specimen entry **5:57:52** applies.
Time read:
**9:07:58**
